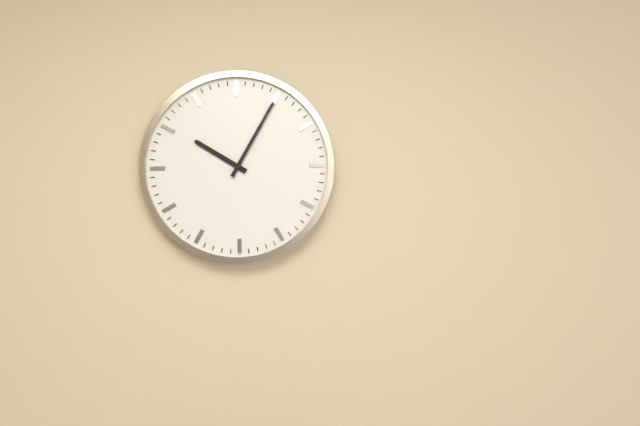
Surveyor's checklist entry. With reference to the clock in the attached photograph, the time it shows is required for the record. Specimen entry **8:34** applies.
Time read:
**10:05**
